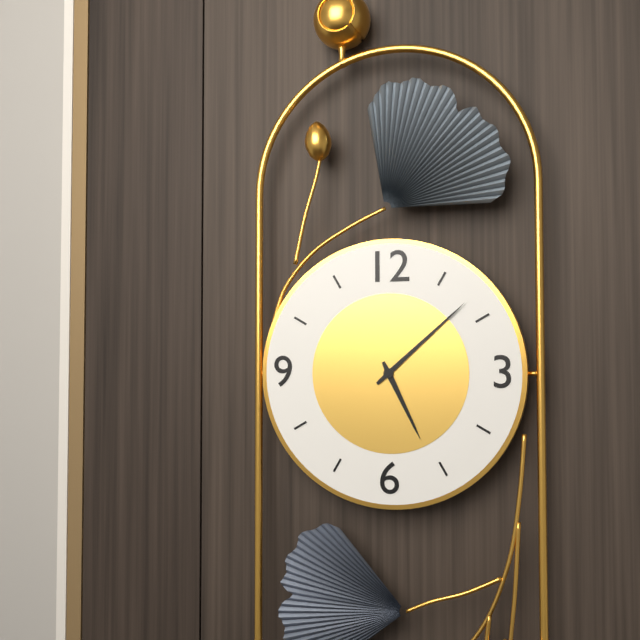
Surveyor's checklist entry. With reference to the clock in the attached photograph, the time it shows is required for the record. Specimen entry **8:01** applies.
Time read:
**5:08**
